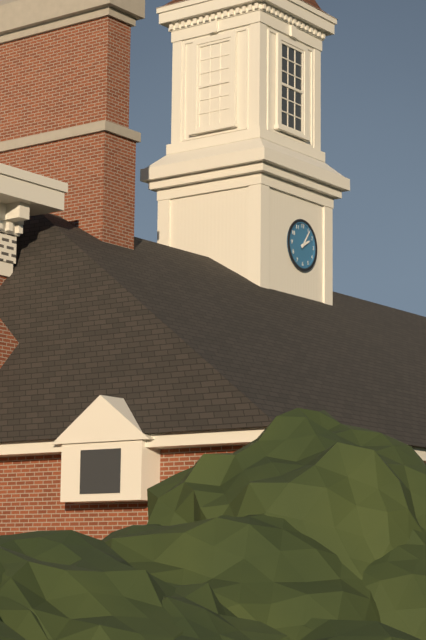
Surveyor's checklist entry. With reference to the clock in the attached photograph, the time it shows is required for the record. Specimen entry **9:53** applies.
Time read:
**2:06**
